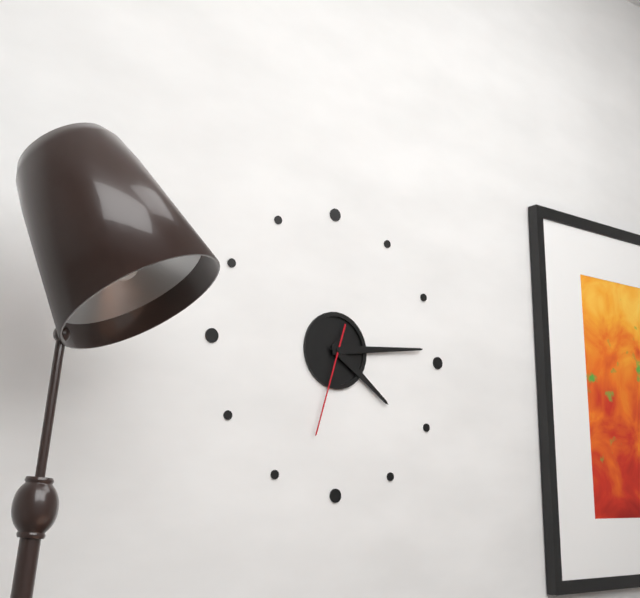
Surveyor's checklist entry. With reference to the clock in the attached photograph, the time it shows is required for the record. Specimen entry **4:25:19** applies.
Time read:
**4:14:33**
